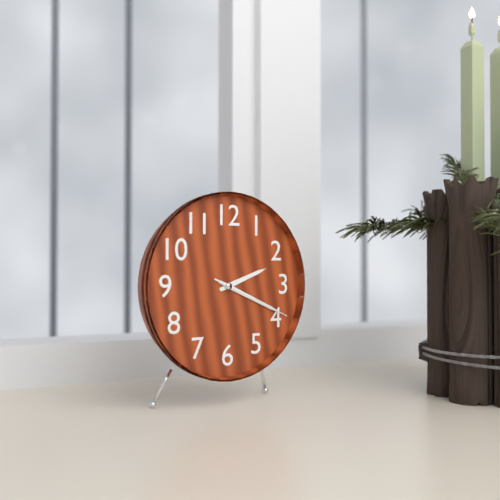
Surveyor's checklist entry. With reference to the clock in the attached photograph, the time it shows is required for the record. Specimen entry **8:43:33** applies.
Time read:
**2:19:19**
